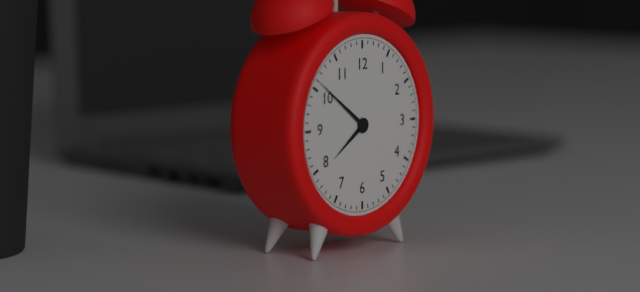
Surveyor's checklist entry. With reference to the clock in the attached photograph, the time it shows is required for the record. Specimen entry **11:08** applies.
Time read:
**7:51**
